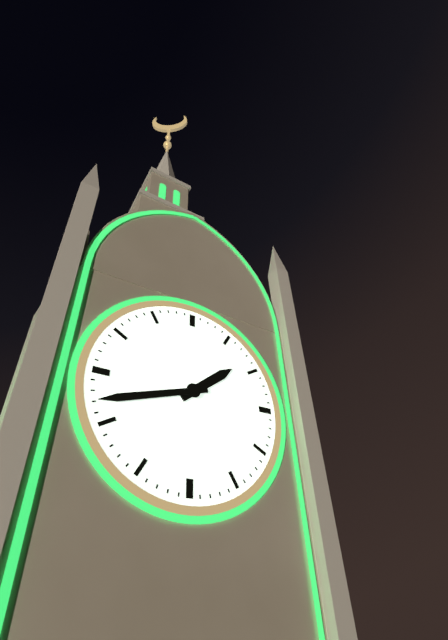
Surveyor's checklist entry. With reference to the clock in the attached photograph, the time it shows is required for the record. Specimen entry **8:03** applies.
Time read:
**1:42**
